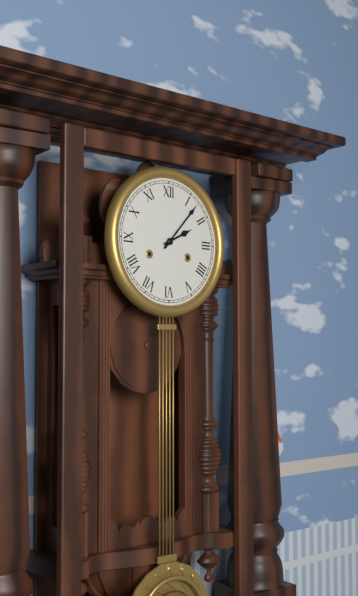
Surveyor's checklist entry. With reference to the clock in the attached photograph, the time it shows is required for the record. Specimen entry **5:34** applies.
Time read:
**2:07**
